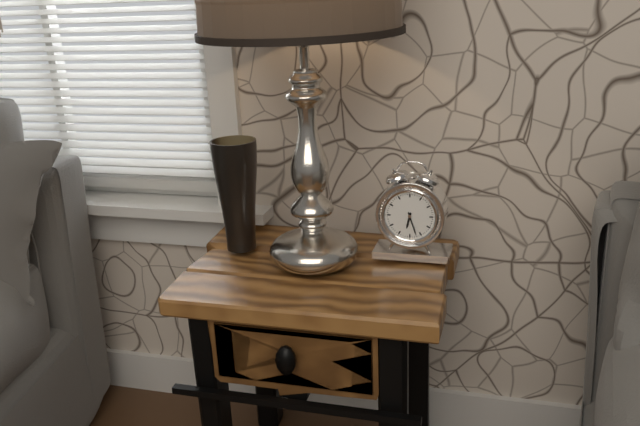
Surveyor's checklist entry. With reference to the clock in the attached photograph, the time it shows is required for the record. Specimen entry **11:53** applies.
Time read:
**6:27**
